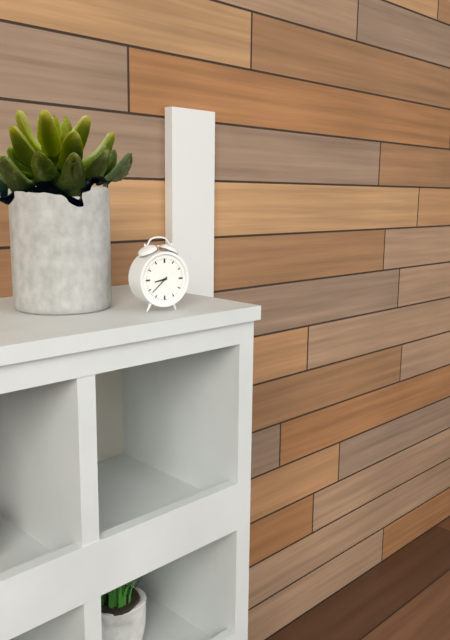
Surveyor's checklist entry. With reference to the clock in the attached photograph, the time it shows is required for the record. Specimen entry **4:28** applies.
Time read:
**8:38**
